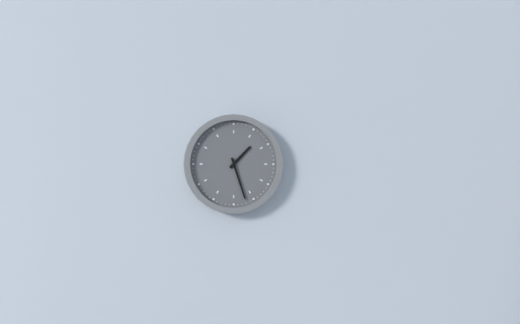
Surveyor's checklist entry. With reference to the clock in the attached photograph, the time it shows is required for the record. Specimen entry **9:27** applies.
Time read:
**1:27**
